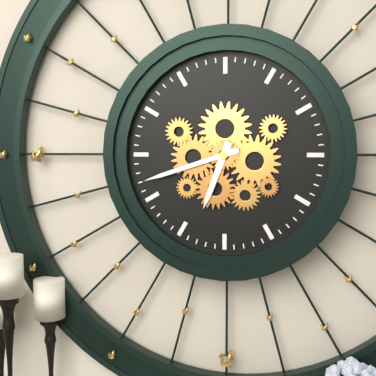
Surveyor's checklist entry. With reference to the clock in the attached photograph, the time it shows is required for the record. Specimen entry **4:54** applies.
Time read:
**6:42**
